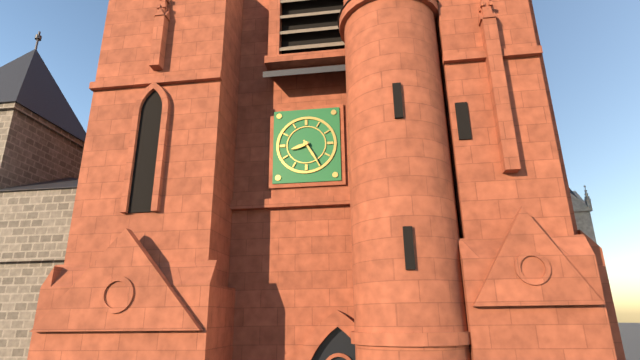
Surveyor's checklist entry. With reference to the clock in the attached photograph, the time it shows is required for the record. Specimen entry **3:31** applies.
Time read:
**8:25**
